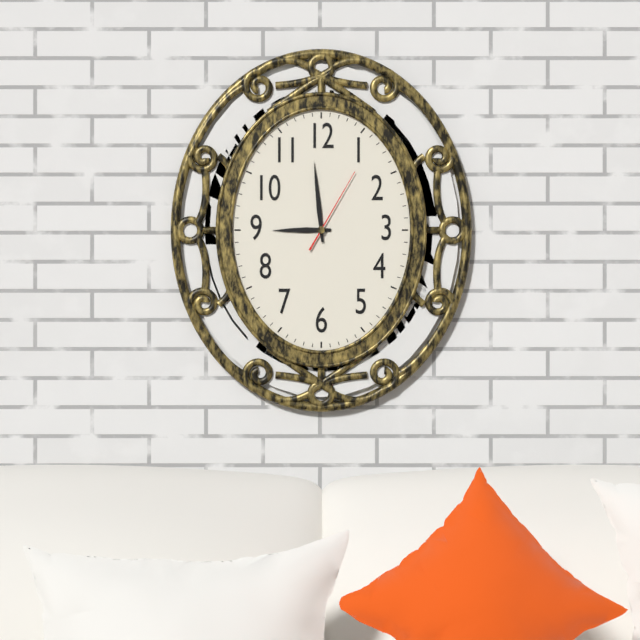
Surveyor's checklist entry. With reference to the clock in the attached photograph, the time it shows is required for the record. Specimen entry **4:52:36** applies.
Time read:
**8:59:05**
